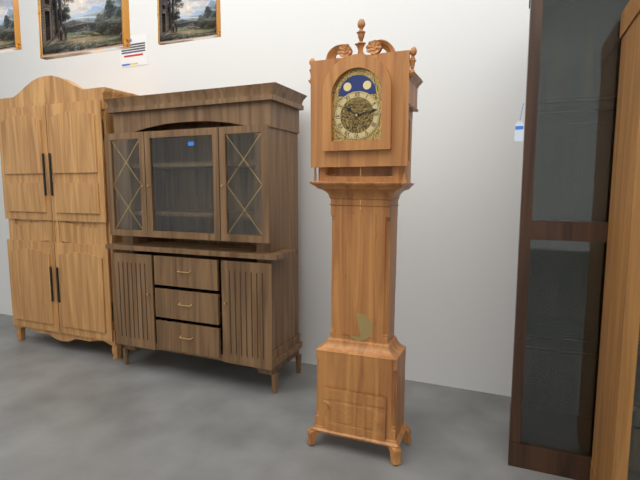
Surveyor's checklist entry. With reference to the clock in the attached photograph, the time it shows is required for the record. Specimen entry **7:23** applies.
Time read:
**10:13**
